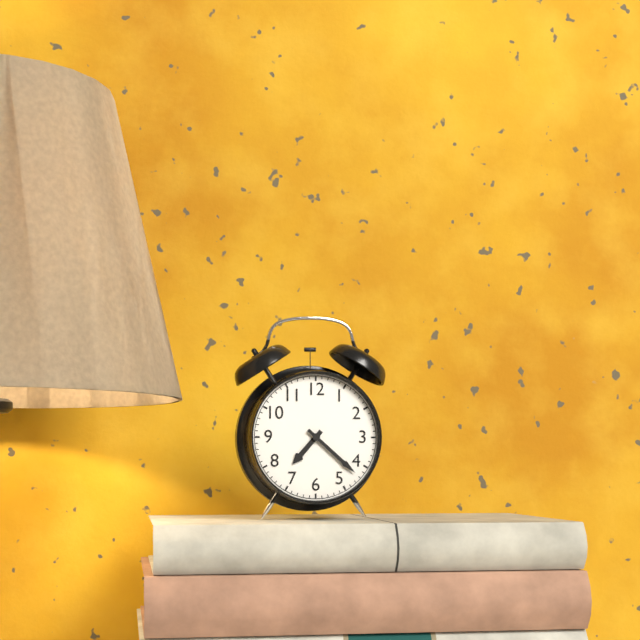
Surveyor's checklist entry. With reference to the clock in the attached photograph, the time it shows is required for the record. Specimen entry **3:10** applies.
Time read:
**7:22**
